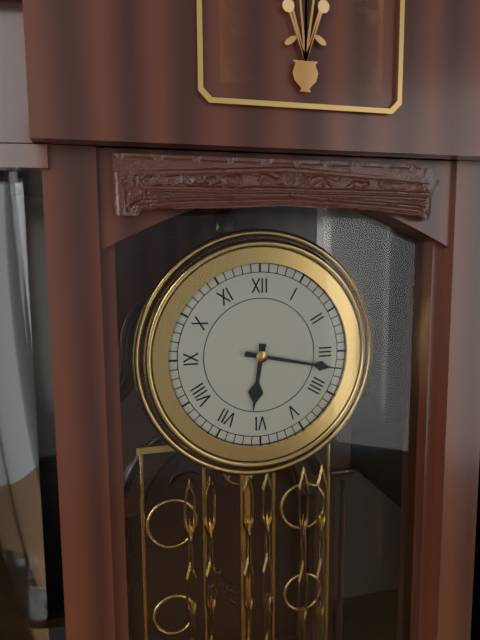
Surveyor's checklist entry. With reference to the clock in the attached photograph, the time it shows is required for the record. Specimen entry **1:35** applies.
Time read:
**6:17**
